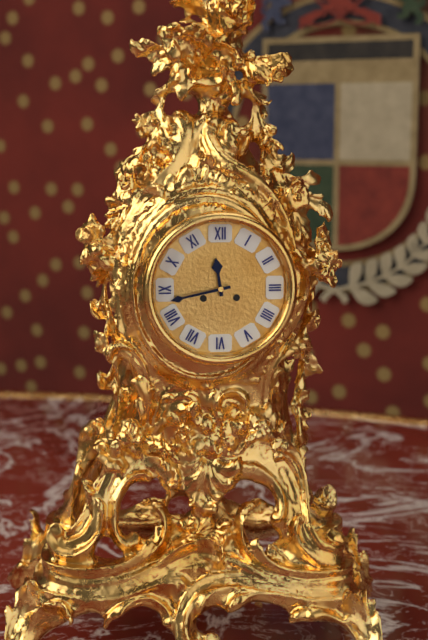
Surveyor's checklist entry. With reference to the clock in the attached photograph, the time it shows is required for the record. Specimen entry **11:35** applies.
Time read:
**11:43**
